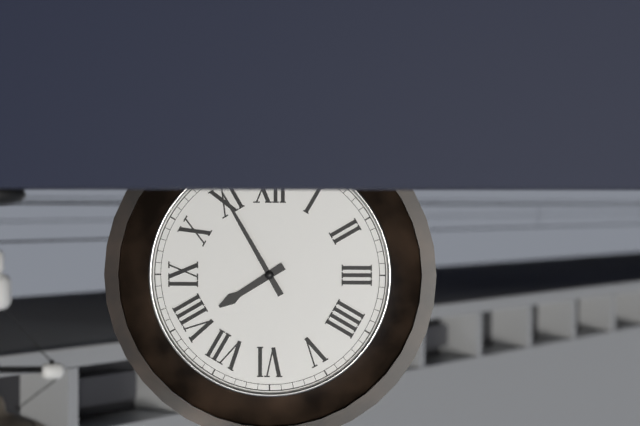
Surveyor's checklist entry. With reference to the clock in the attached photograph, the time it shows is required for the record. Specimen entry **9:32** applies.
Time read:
**7:55**
